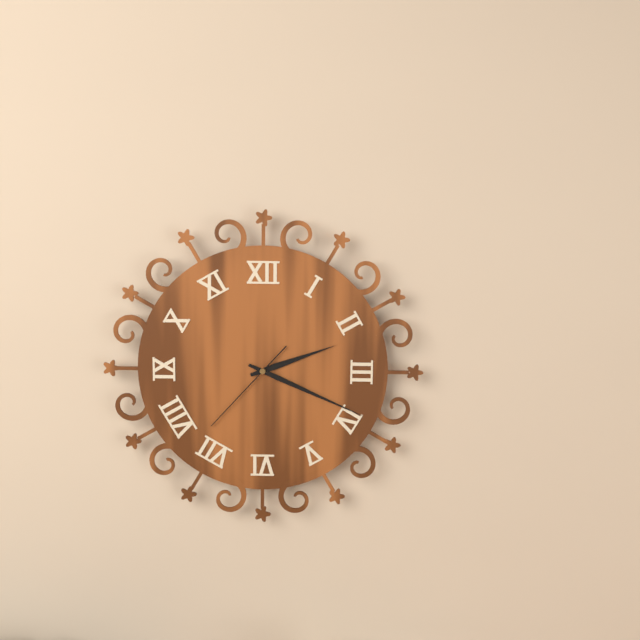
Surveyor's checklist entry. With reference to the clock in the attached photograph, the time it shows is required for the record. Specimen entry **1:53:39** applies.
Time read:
**2:19:37**
